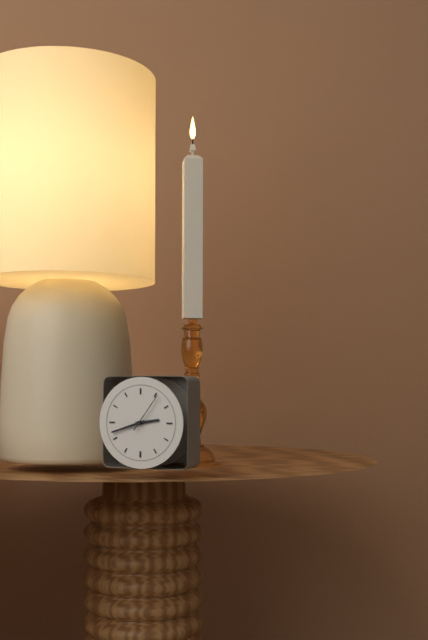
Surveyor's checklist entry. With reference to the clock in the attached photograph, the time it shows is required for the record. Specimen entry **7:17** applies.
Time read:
**2:42**
